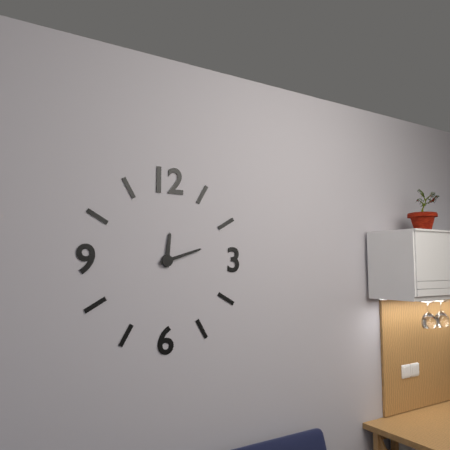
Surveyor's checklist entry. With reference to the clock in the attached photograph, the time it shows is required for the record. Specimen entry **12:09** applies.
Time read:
**12:12**
